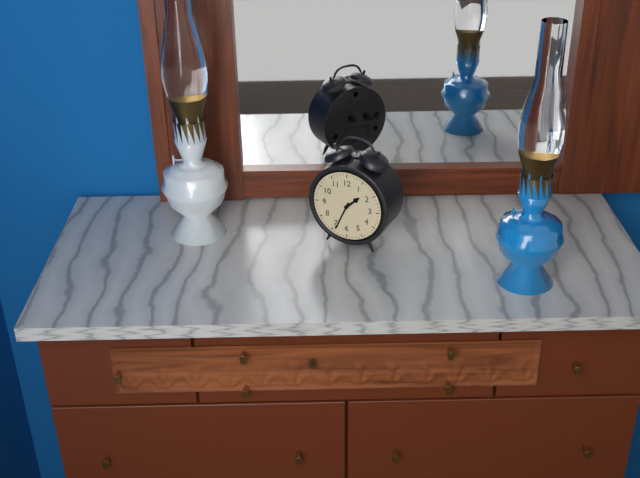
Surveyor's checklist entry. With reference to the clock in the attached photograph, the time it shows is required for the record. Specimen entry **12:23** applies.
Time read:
**1:34**
